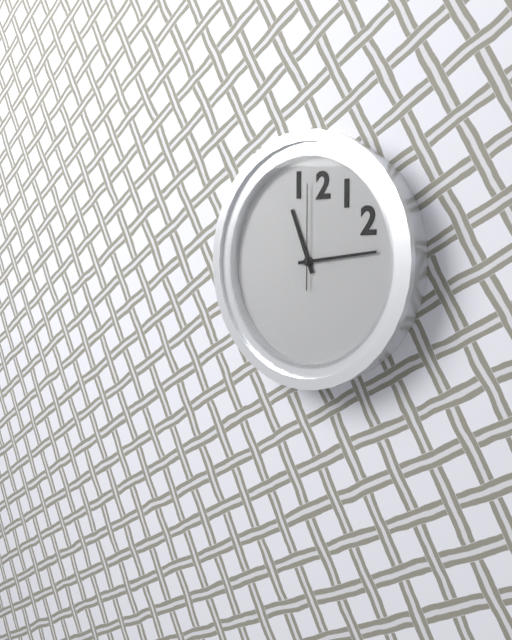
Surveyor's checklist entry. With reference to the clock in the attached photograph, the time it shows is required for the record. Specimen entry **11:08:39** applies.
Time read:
**11:14:00**
